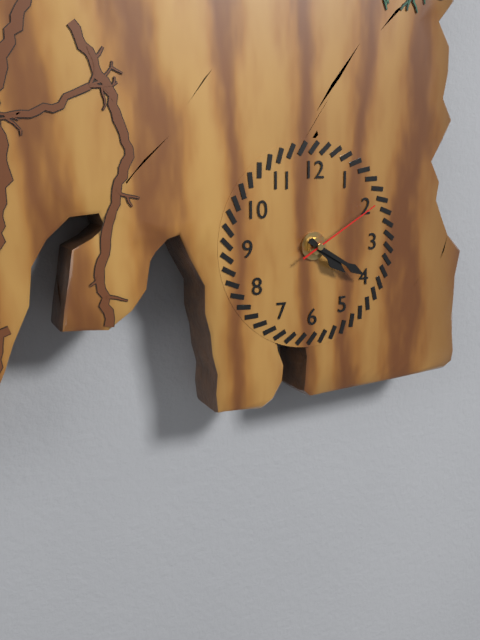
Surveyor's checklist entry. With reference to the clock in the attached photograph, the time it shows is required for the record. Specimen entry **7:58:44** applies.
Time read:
**4:20:10**
